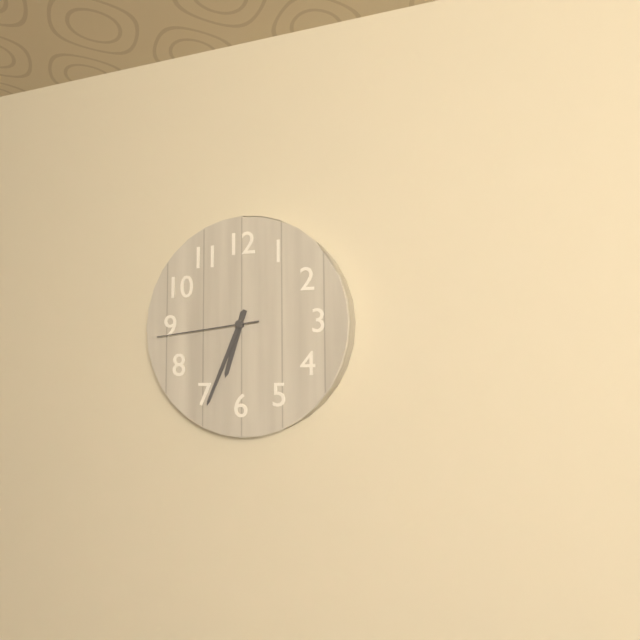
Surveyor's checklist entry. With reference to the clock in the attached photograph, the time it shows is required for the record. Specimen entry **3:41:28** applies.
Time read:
**6:34:44**
